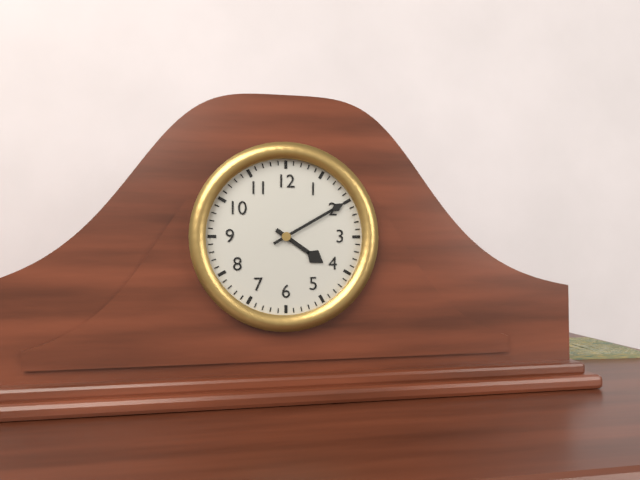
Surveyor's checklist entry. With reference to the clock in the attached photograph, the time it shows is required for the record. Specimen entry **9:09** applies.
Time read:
**4:10**
